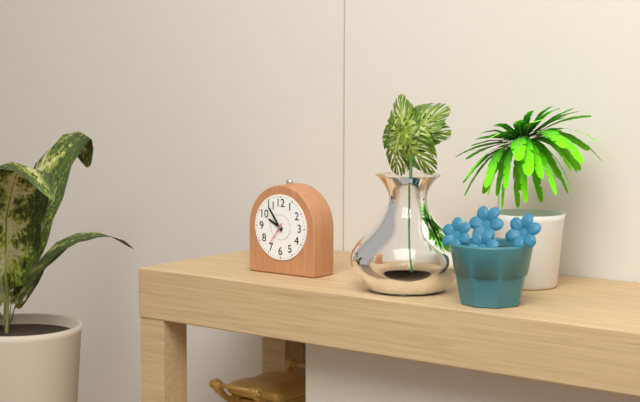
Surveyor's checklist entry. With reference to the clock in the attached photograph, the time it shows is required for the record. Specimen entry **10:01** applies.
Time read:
**9:54**
